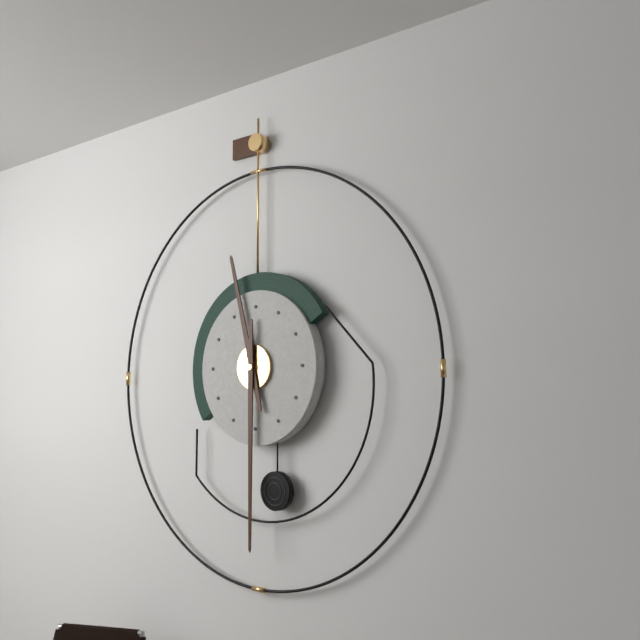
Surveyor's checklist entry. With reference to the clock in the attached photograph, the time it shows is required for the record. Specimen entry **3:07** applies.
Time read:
**11:30**
